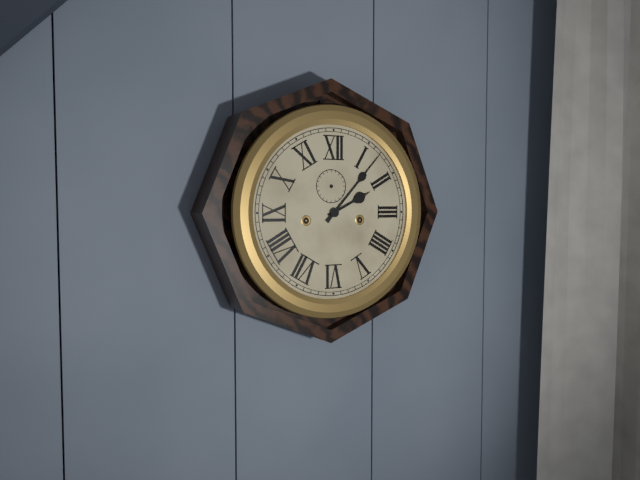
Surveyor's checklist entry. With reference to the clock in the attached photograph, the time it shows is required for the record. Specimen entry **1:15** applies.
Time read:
**2:07**
